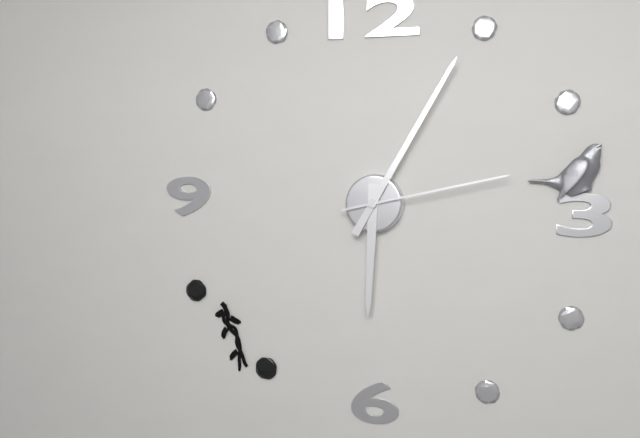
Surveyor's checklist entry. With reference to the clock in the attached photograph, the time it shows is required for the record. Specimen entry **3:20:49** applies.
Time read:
**6:05:13**
